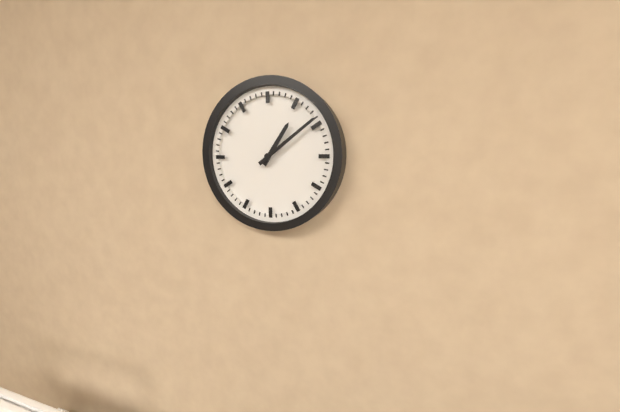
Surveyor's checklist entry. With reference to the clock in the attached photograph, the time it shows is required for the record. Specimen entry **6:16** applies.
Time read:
**1:09**
